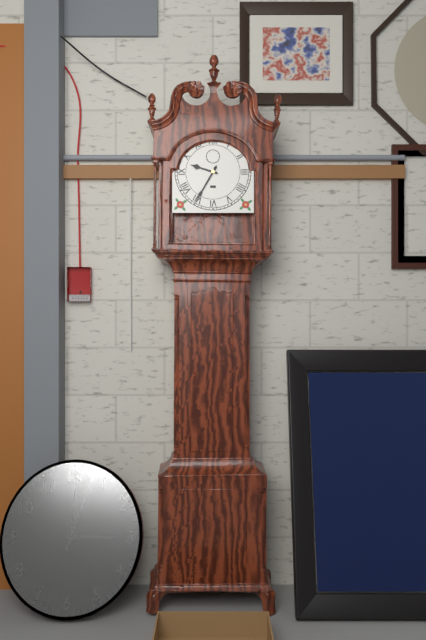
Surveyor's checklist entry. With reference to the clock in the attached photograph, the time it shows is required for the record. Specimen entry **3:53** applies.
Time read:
**9:35**
